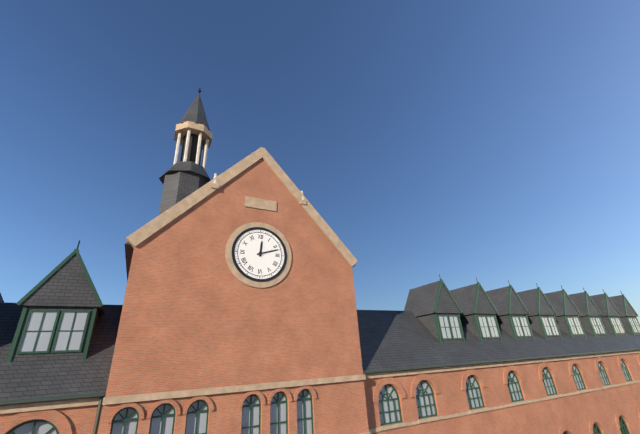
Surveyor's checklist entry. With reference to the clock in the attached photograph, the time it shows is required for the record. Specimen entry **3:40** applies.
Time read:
**12:12**
